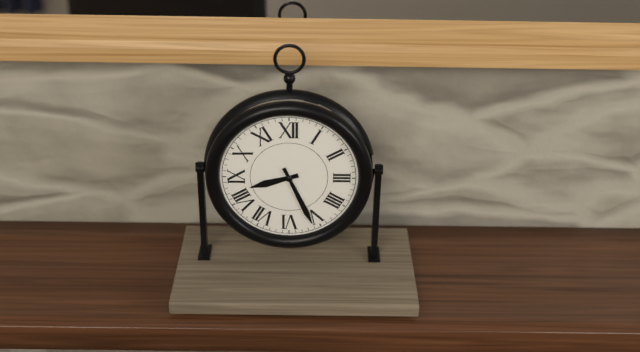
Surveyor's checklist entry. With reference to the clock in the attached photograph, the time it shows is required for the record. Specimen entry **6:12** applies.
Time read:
**8:26**
